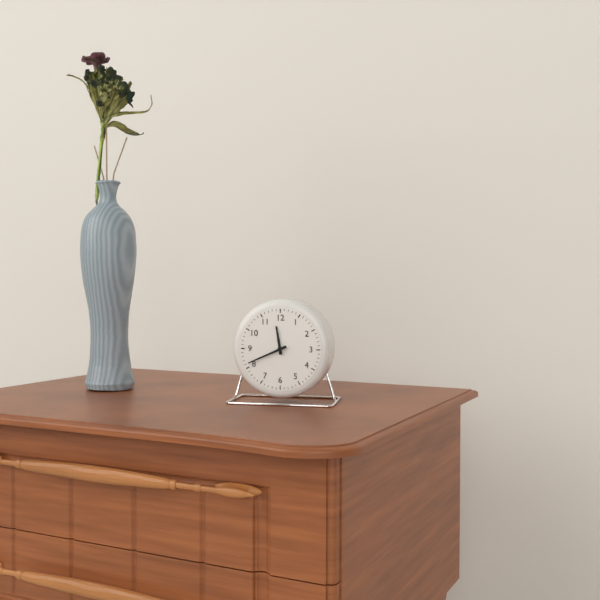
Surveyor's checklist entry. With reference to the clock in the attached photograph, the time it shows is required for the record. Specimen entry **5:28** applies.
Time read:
**11:41**
